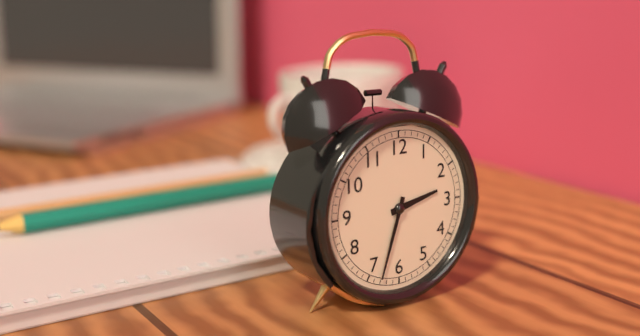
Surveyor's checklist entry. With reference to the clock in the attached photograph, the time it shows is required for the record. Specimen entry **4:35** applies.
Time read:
**2:33**
